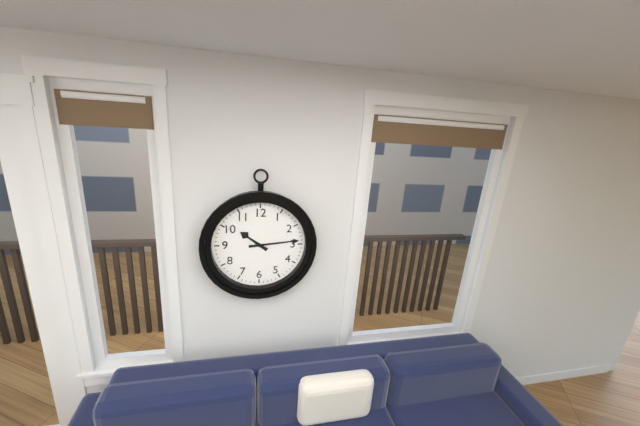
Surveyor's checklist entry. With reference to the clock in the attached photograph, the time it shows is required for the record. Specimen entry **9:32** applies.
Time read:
**10:14**
